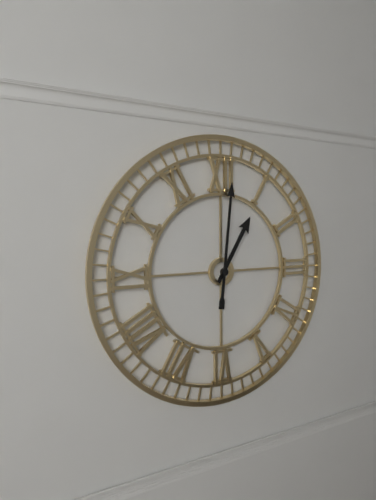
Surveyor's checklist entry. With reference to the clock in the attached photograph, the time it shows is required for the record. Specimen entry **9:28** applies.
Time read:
**1:01**
